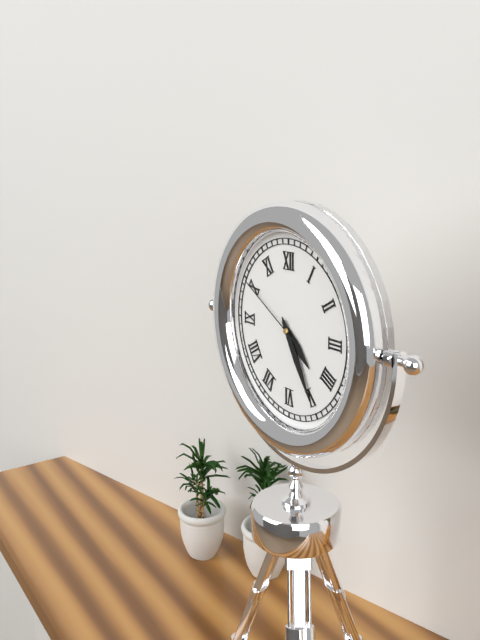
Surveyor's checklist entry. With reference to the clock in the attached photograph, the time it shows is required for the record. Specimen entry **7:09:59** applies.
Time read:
**4:25:50**
